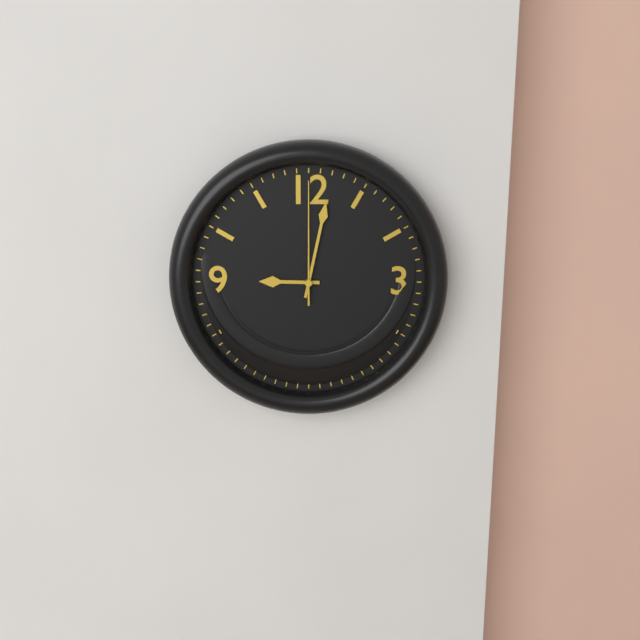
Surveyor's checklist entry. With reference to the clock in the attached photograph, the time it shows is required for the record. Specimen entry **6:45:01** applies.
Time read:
**9:02:00**
